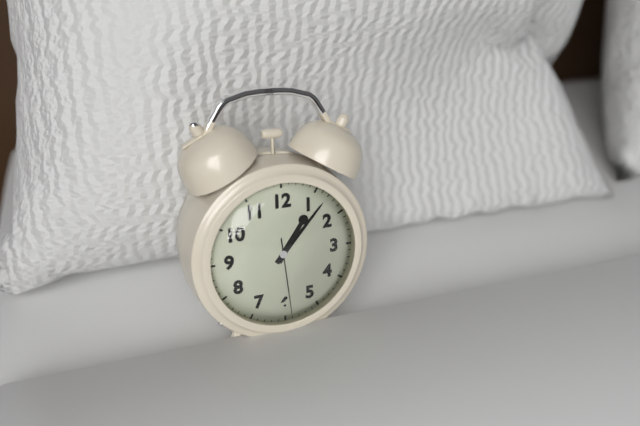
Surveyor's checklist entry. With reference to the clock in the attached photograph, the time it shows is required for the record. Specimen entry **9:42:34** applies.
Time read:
**1:07:29**
